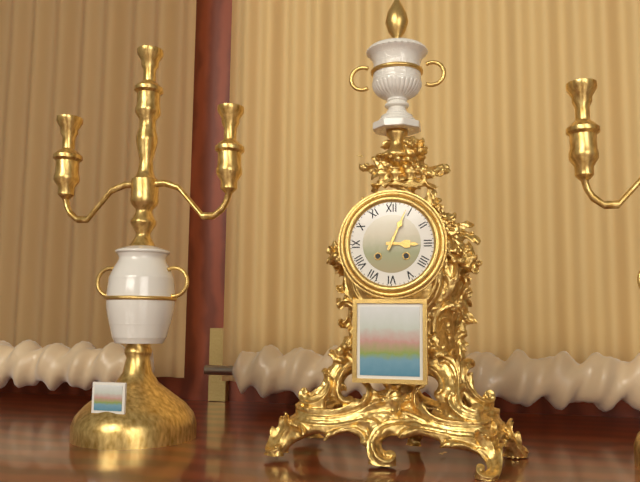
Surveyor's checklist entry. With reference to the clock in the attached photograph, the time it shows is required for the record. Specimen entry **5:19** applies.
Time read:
**3:04**
